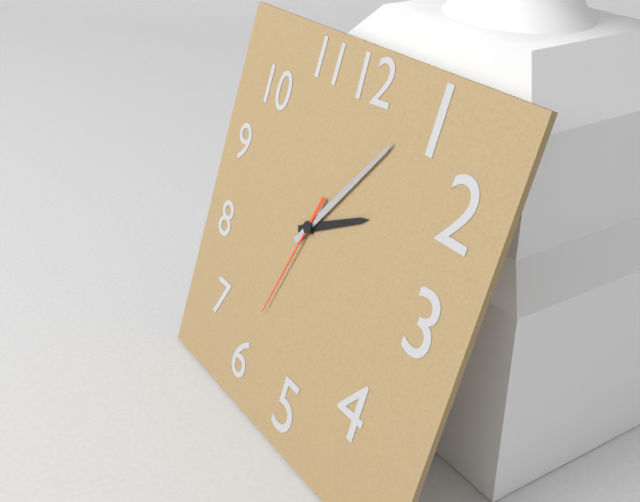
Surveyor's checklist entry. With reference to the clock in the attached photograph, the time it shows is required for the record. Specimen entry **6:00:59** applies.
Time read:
**2:06:33**
